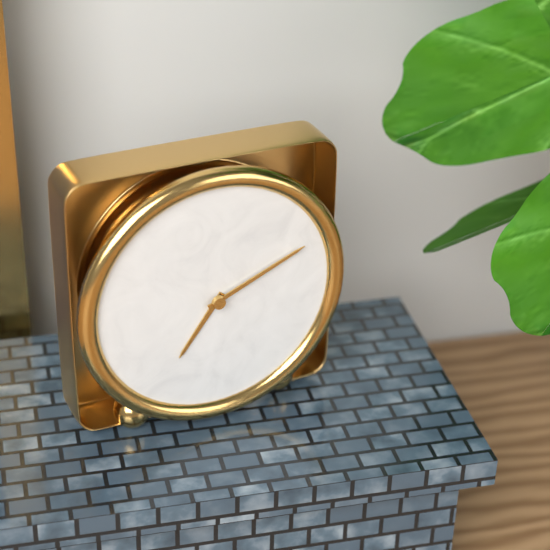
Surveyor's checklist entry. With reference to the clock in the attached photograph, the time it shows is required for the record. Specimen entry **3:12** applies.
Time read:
**7:11**
